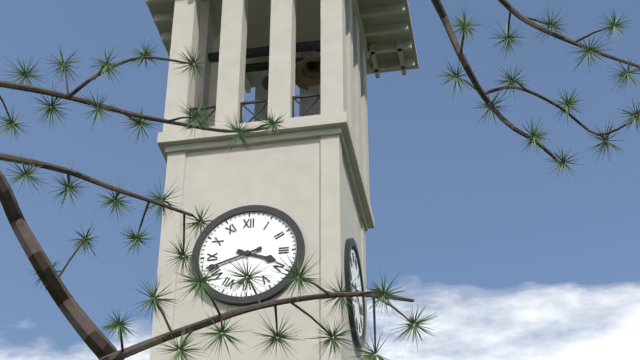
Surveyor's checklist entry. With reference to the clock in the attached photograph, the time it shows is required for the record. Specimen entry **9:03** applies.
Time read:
**3:42**
